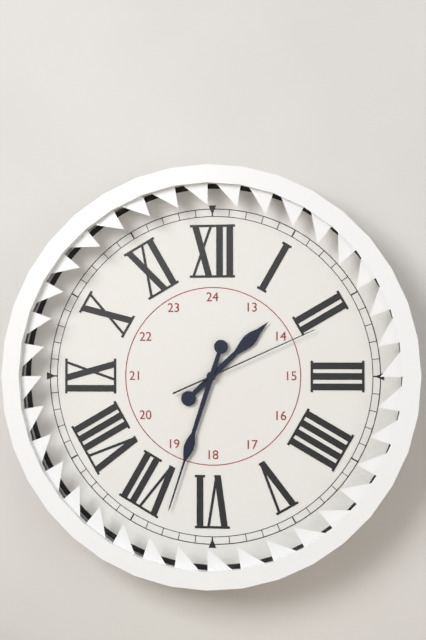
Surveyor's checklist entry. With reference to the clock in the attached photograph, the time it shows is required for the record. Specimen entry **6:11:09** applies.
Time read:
**1:33:11**
